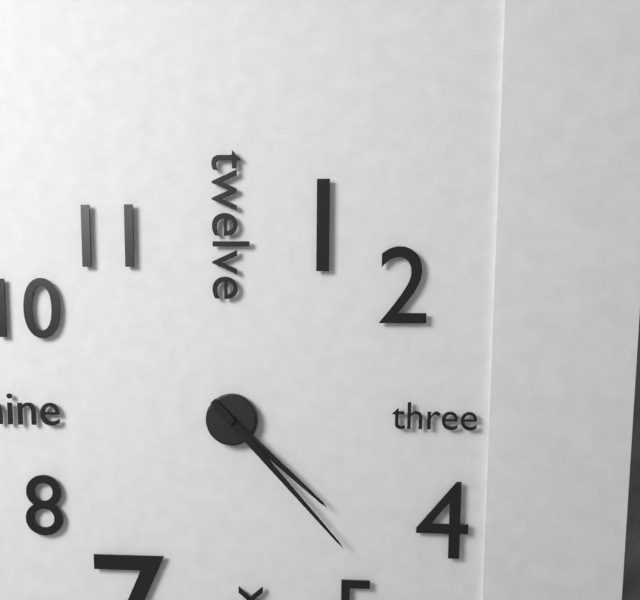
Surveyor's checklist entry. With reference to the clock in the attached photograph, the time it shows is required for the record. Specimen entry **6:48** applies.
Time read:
**4:23**
